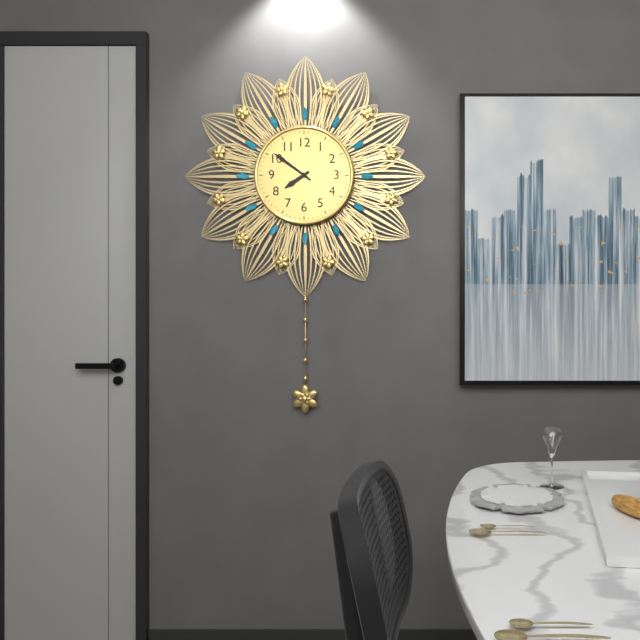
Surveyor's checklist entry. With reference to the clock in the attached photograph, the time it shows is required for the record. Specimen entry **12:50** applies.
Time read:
**7:51**
